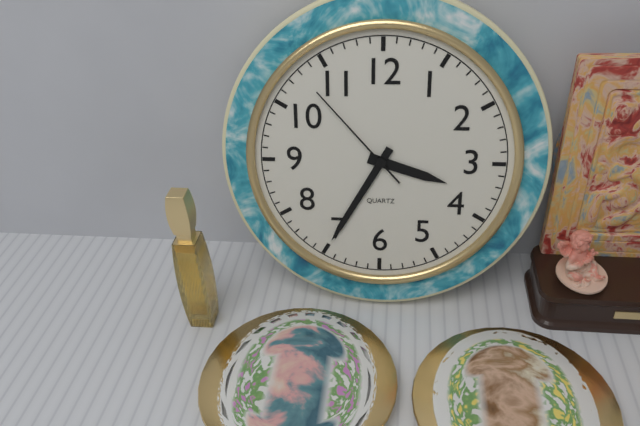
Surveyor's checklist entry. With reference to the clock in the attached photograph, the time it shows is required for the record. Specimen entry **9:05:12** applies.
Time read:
**3:35:53**
